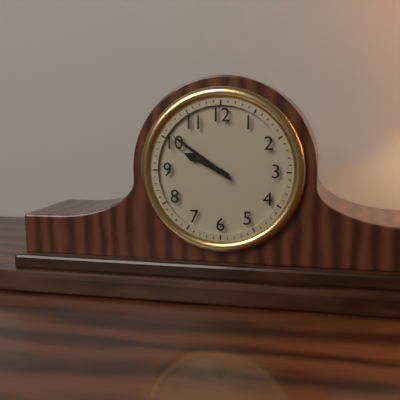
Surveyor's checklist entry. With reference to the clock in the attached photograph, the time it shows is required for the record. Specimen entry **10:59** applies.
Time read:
**9:51**
